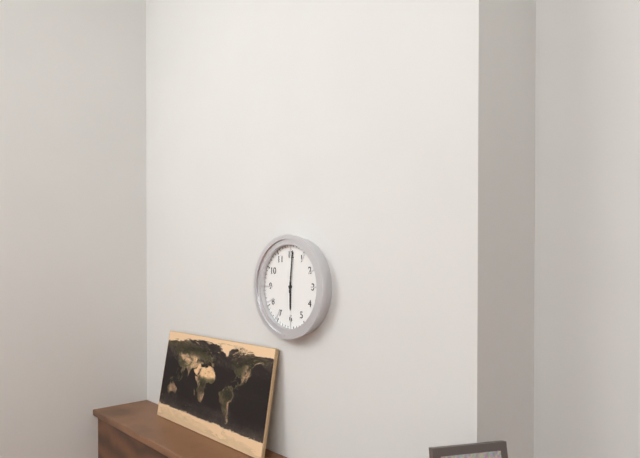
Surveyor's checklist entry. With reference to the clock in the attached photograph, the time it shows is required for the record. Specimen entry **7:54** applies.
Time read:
**6:01**
